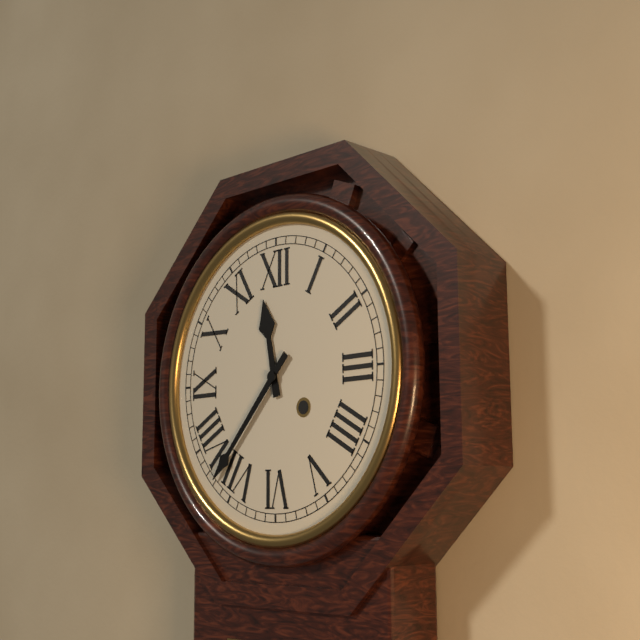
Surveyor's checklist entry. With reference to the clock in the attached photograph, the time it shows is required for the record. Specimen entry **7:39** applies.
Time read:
**11:37**
